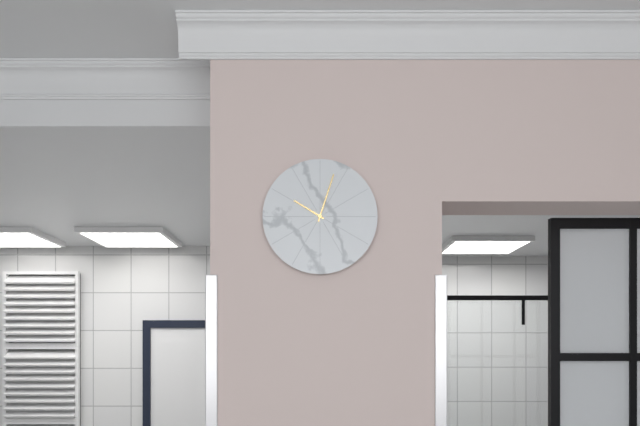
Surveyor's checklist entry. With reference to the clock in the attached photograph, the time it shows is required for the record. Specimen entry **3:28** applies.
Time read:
**10:03**
